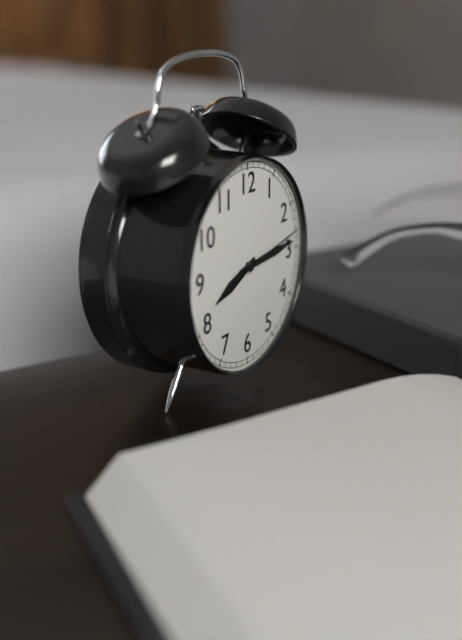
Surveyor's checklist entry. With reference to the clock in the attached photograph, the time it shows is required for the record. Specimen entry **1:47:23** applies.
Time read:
**8:14:13**
